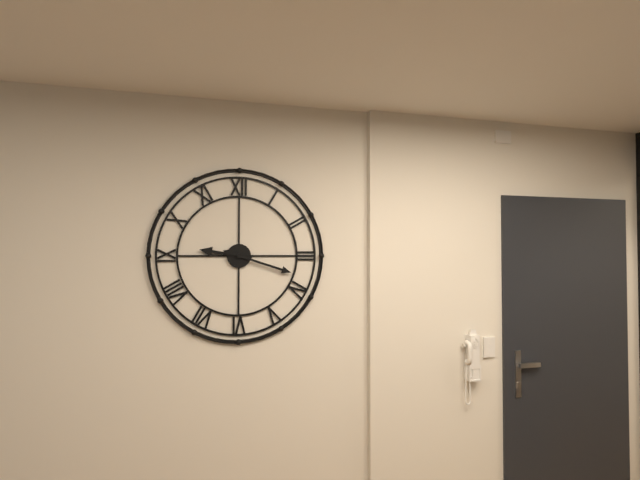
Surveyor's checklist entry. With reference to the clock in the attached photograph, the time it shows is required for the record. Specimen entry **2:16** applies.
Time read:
**9:18**
